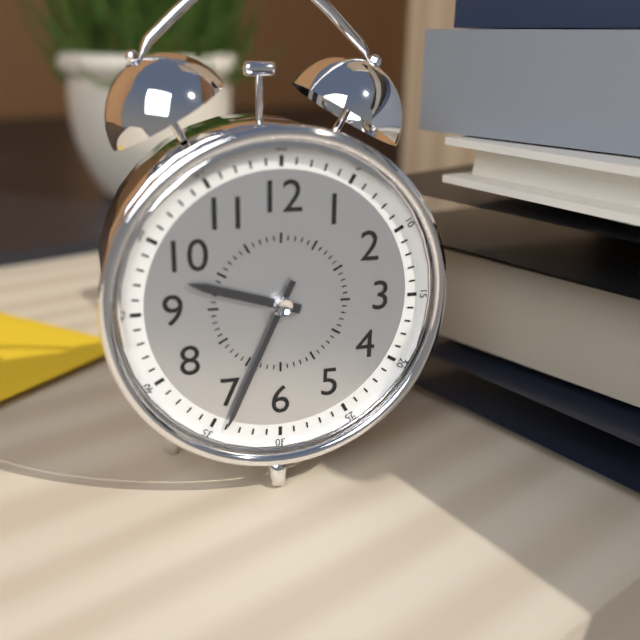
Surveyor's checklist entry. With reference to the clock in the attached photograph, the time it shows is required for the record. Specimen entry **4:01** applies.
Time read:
**9:34**
